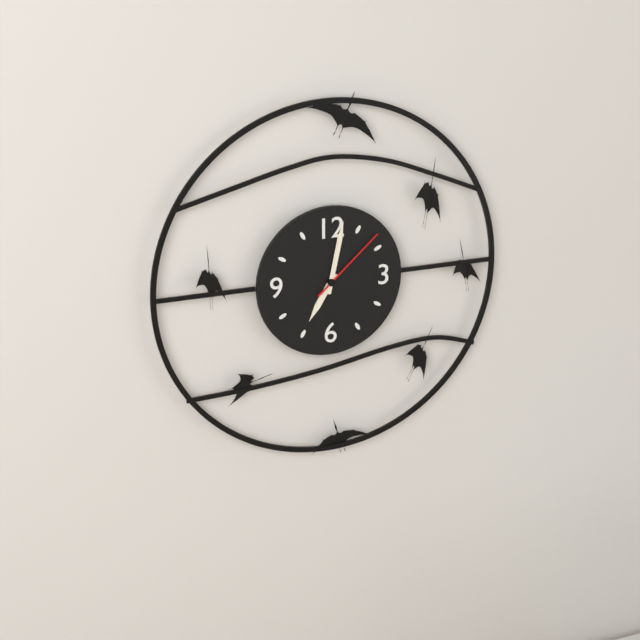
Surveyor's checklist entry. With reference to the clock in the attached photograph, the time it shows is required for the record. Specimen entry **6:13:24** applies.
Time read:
**7:02:08**
